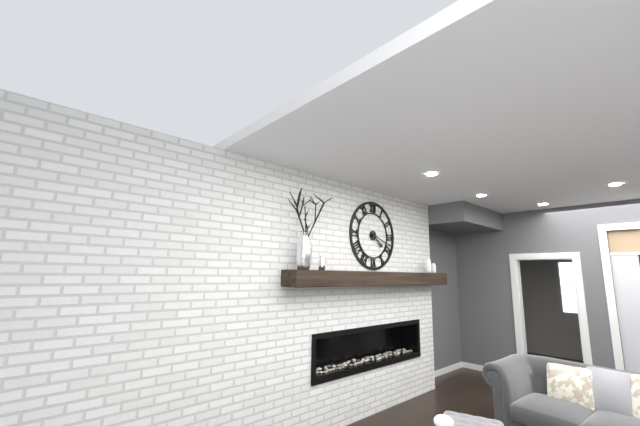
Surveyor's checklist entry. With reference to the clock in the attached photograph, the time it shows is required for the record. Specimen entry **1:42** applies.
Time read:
**4:18**
